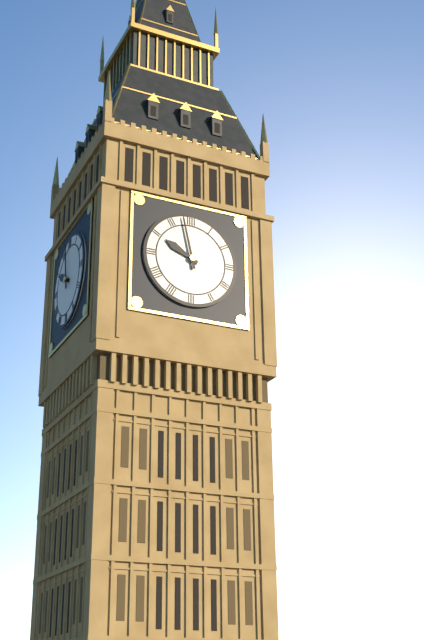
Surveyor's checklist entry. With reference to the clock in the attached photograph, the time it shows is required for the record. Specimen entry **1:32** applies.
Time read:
**9:58**
